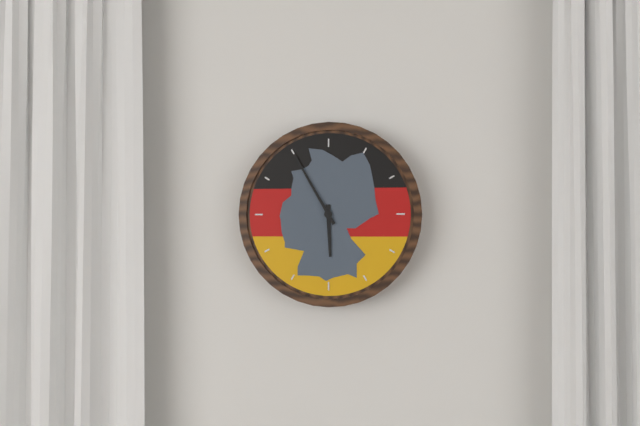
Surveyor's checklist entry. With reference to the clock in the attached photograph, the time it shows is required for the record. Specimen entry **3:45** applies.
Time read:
**5:55**
